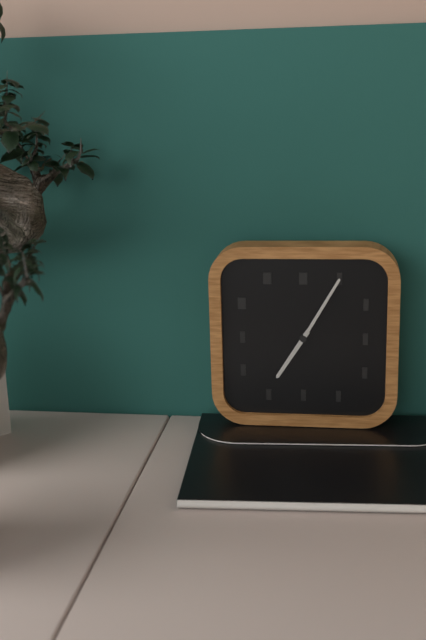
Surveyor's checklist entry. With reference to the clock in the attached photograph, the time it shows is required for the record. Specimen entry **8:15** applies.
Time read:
**7:05**
